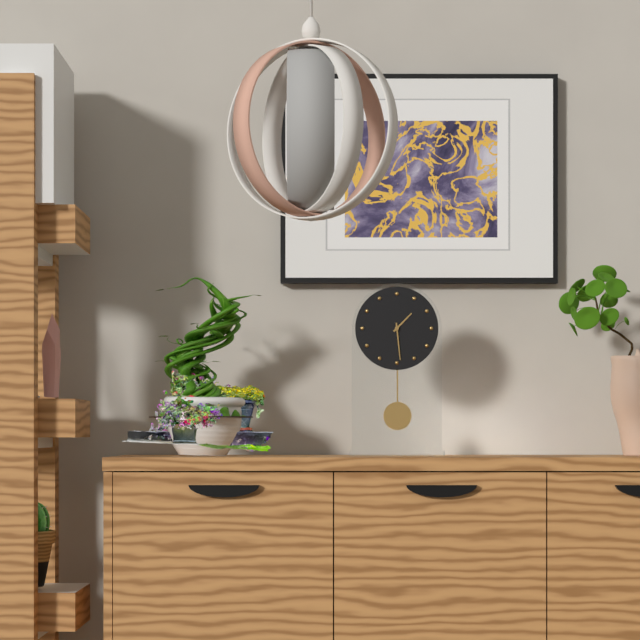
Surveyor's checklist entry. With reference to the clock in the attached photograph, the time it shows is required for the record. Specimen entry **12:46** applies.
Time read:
**1:29**
